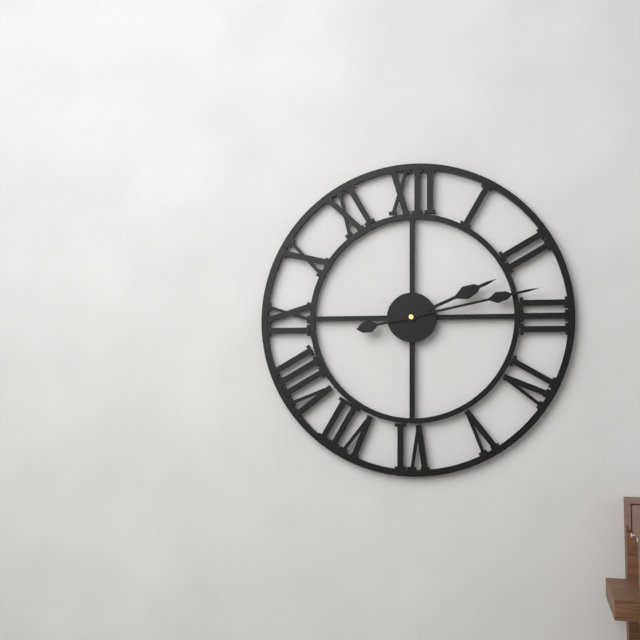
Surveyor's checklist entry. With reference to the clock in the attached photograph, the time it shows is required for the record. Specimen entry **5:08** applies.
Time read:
**2:13**
